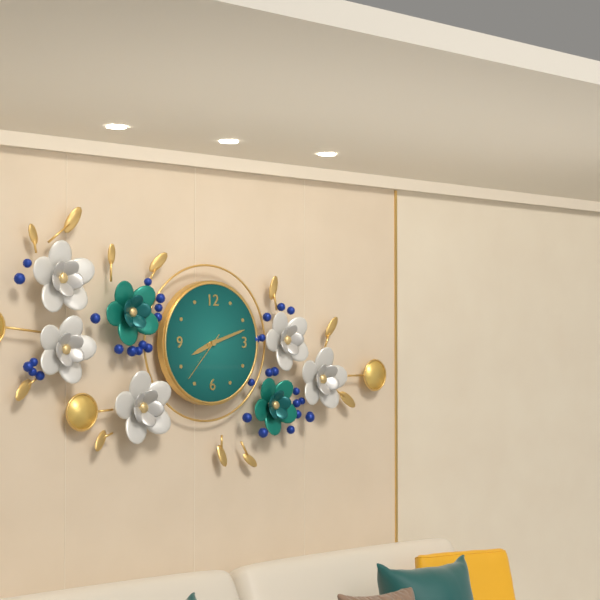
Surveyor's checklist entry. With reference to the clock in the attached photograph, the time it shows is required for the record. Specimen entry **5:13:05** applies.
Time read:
**8:12:37**
